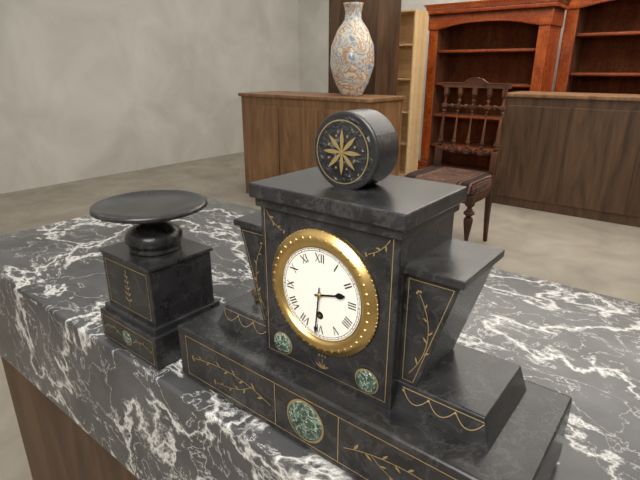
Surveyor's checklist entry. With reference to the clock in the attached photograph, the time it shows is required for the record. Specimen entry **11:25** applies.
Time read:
**2:31**
